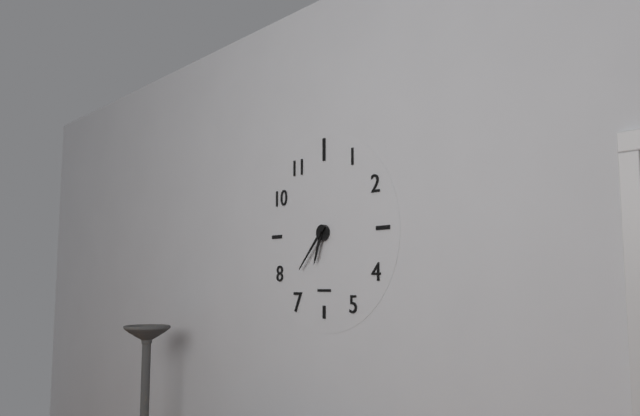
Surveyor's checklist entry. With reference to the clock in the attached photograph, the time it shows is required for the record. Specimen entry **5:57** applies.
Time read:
**6:37**
